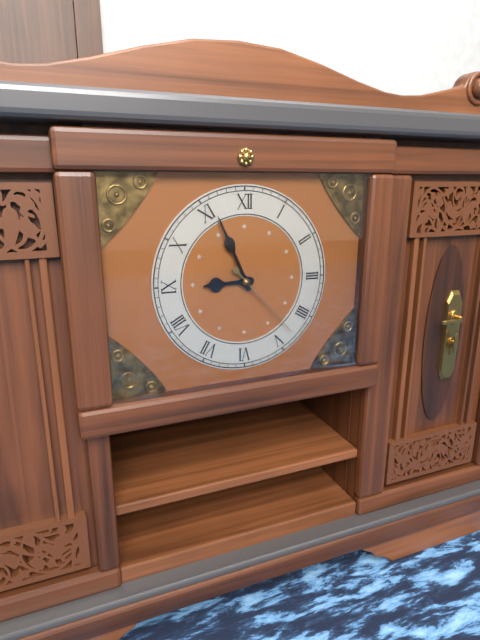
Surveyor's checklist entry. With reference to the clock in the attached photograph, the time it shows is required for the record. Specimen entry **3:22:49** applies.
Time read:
**8:56:23**
